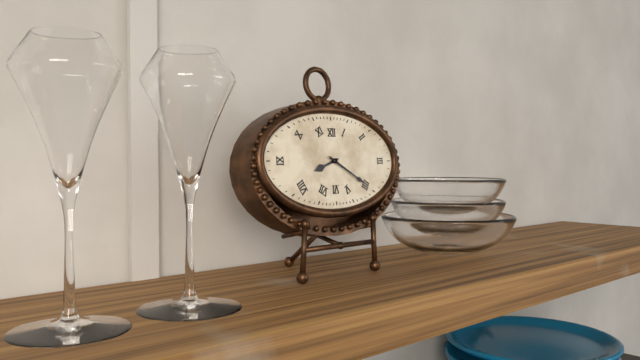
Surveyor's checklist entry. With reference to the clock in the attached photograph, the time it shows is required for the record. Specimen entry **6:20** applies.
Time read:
**8:20**
